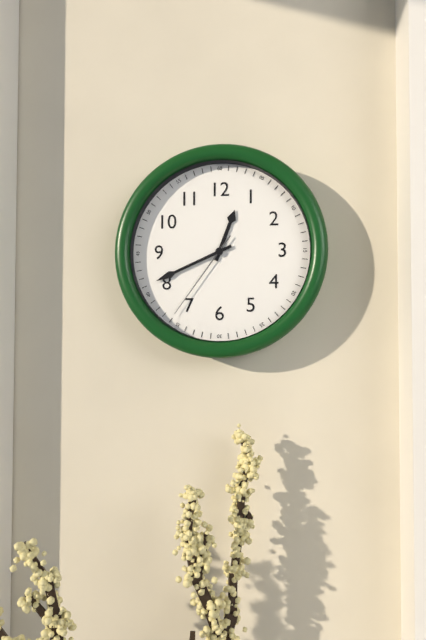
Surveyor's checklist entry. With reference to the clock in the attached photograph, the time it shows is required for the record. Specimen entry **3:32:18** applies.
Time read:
**12:41:36**
